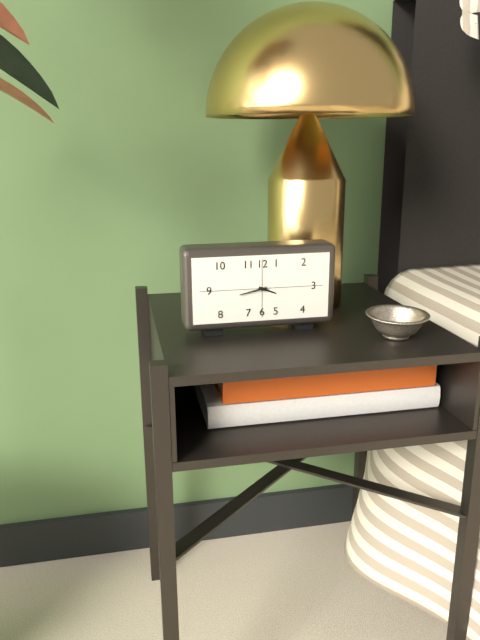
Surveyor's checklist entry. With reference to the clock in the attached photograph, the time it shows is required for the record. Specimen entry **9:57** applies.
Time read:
**3:43**
